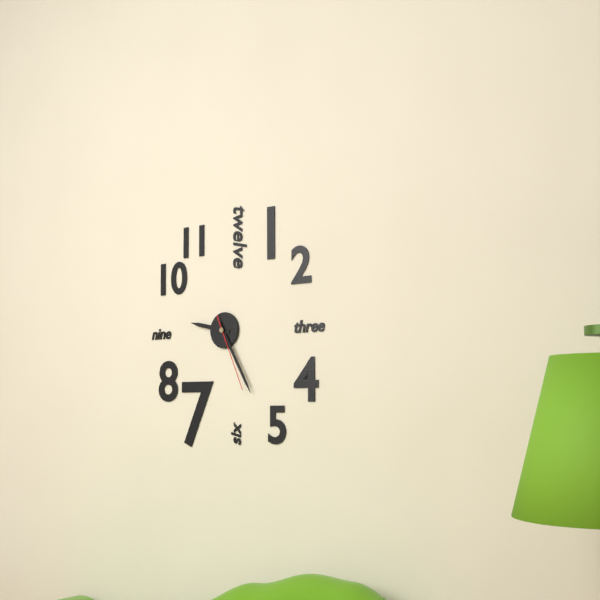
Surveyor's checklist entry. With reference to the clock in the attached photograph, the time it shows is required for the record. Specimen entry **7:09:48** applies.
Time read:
**9:25:26**
